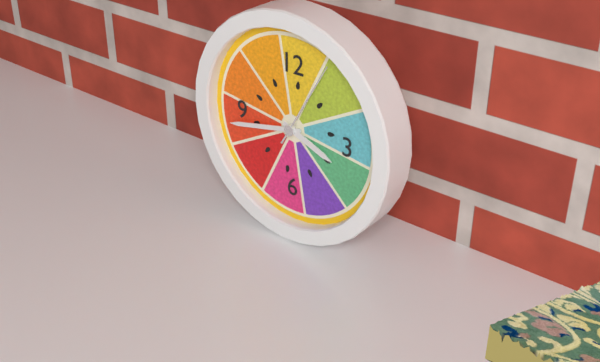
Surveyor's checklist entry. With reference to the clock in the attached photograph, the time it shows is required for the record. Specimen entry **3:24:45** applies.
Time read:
**3:43:05**
